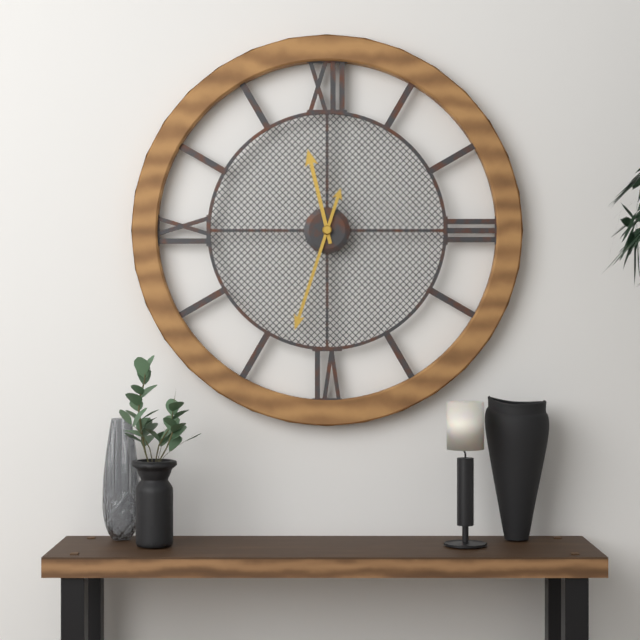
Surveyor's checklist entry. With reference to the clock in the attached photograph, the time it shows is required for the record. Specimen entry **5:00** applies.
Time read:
**11:33**
